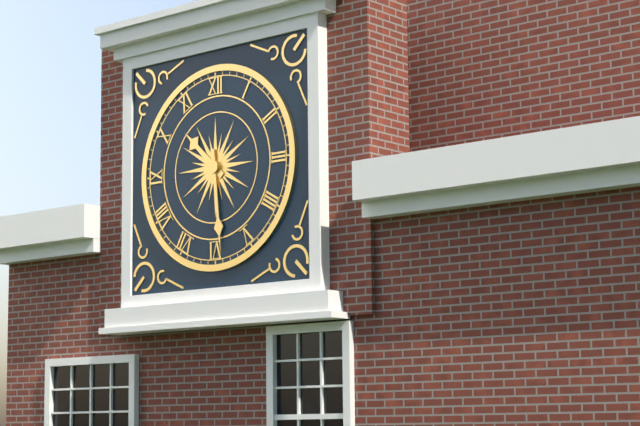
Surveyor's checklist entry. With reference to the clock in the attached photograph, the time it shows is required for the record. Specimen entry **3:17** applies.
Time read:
**10:29**
